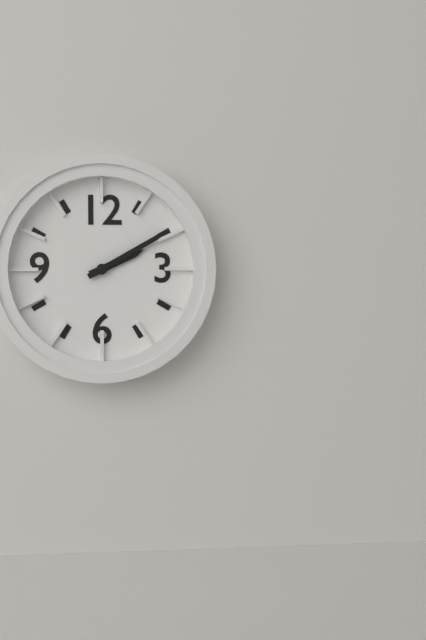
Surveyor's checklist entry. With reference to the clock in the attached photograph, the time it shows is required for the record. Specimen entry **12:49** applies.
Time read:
**2:10**
